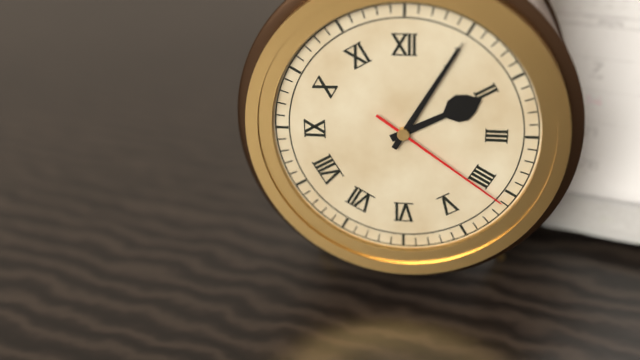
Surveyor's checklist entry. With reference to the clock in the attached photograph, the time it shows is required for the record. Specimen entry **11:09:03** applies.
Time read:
**2:05:21**
